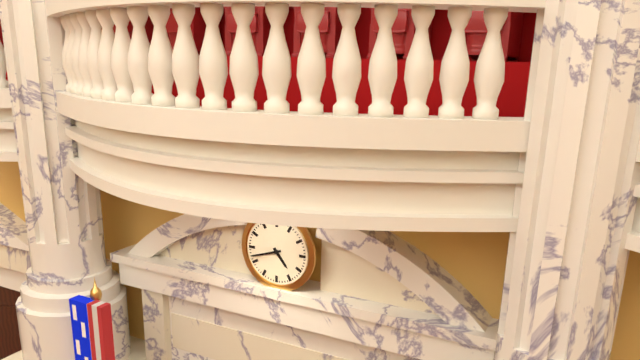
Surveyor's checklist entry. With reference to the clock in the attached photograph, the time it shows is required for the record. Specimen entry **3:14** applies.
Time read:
**4:42**
